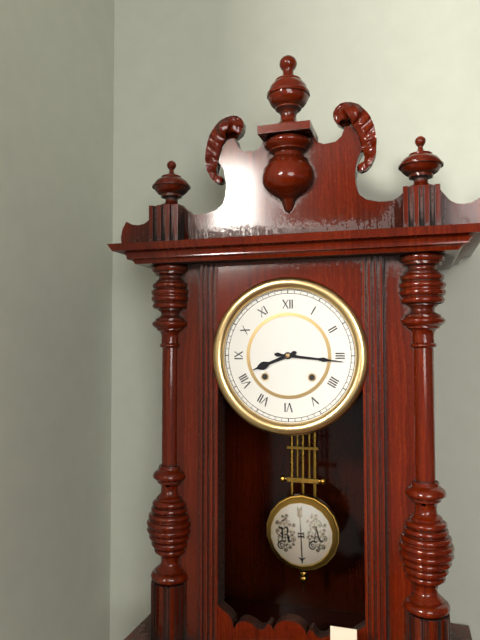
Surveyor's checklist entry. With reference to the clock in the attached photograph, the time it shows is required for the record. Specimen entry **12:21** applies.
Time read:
**8:16**
